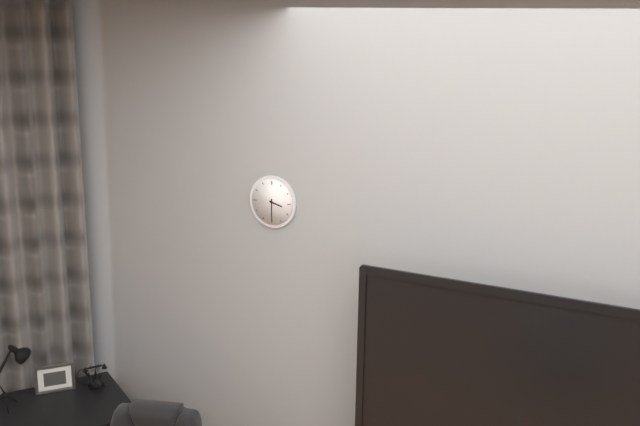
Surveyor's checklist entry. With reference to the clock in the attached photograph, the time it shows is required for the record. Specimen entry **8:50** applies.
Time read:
**3:30**
